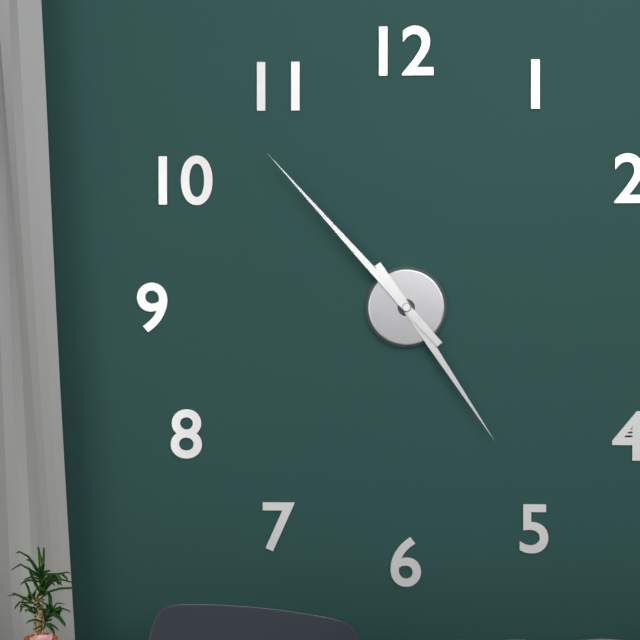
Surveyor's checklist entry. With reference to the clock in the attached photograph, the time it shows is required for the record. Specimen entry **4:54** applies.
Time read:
**4:53**
